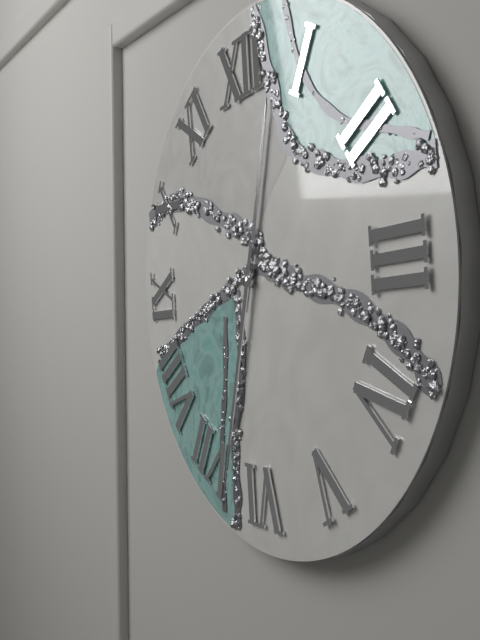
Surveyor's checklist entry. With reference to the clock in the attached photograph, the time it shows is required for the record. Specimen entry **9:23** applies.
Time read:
**12:33**
